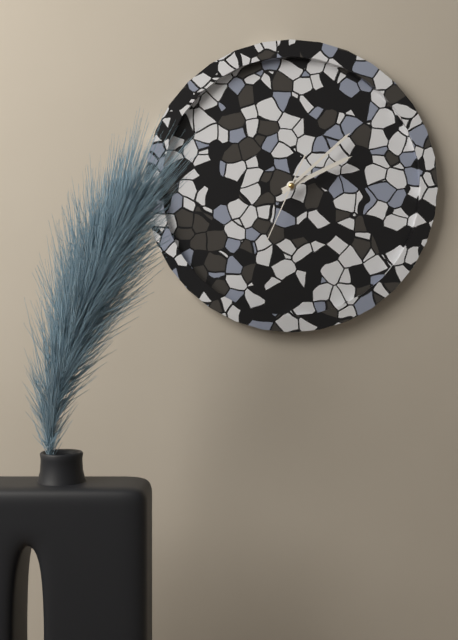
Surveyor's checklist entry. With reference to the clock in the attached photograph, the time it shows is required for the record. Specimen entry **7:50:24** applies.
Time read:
**2:08:34**
